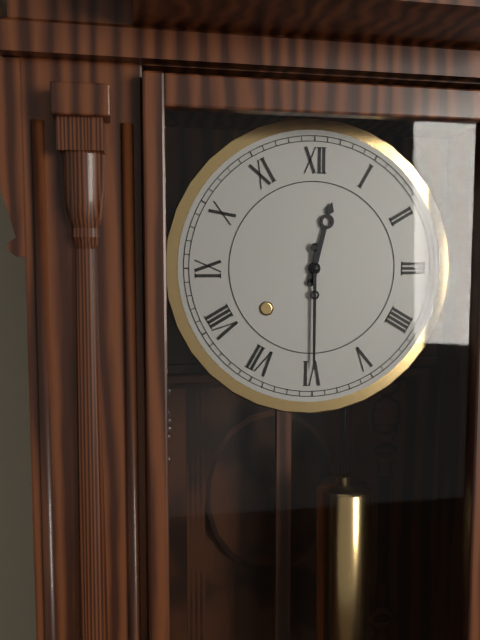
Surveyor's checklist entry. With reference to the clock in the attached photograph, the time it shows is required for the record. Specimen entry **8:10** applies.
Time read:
**12:30**
